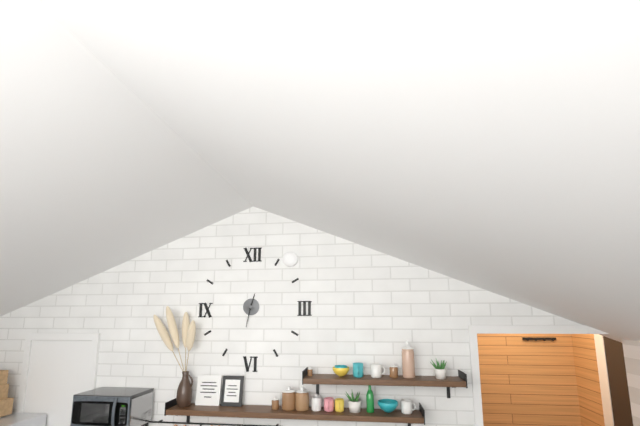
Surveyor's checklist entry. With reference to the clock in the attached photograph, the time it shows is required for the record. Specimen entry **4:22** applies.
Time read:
**12:32**
